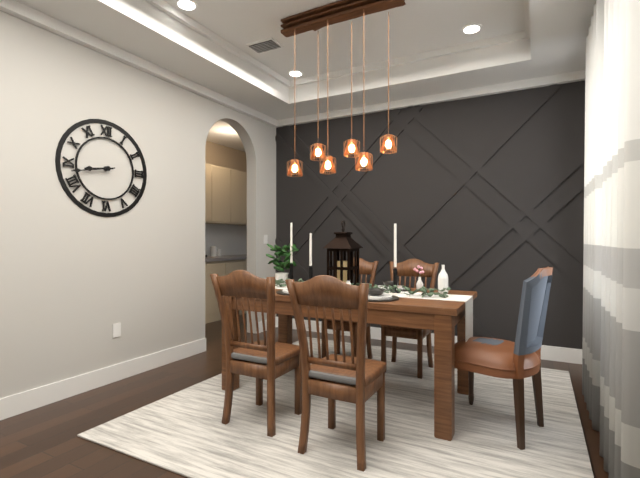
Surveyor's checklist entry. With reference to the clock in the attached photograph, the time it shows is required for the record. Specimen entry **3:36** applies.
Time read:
**8:43**
